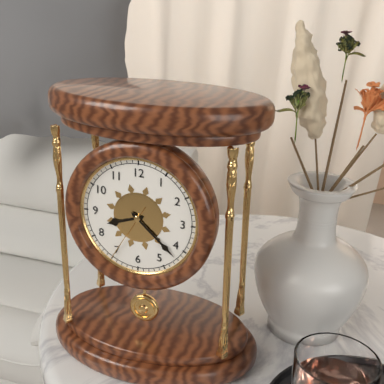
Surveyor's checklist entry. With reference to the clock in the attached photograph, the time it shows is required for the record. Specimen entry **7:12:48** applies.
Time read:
**8:22:35**
